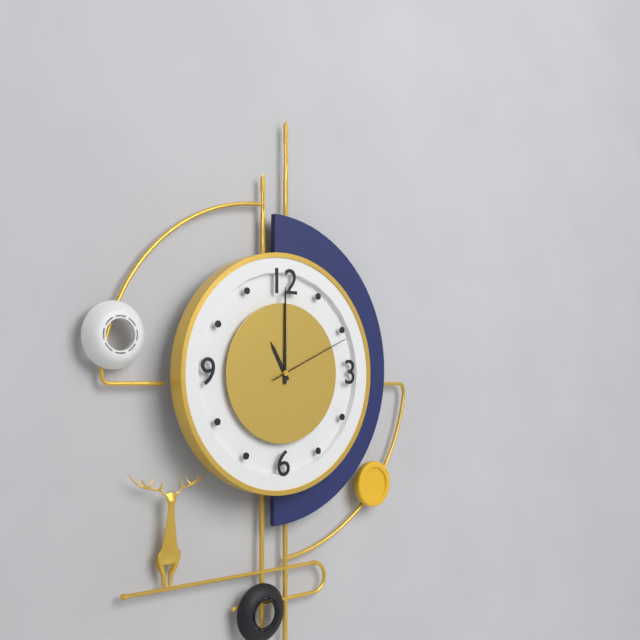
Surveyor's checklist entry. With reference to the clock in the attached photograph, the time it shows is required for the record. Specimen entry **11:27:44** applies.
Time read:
**11:00:11**
